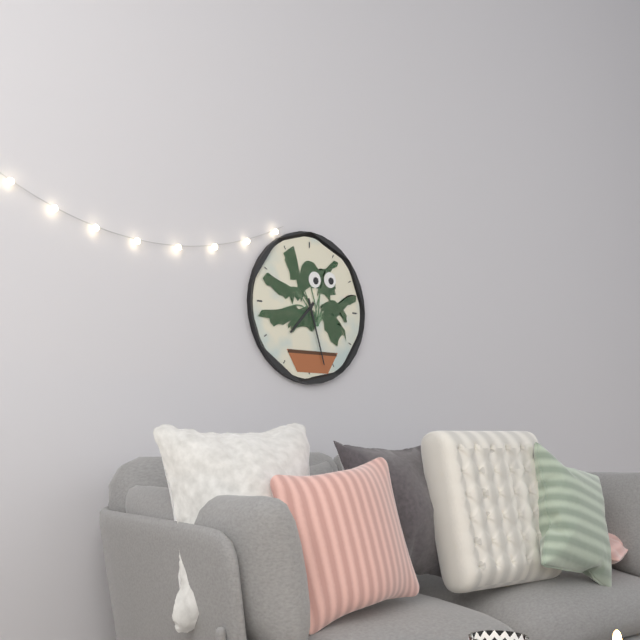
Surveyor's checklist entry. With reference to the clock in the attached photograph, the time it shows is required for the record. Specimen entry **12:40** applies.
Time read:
**7:27**
